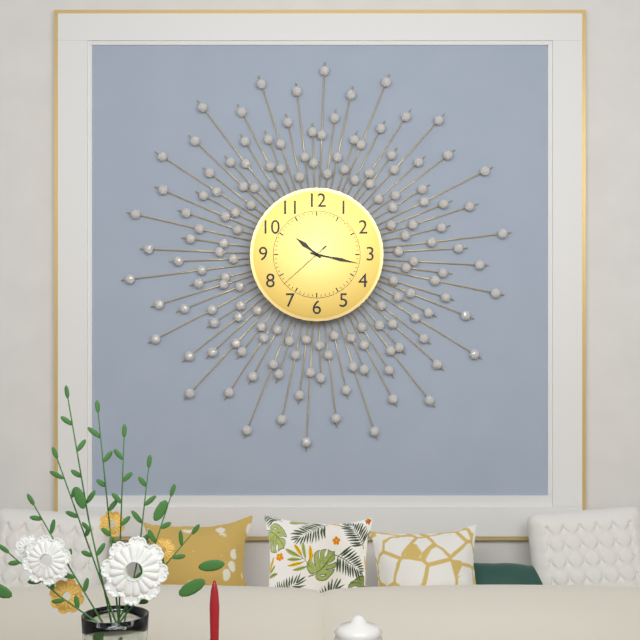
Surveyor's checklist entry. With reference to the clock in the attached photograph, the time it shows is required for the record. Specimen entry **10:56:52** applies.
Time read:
**10:17:38**
